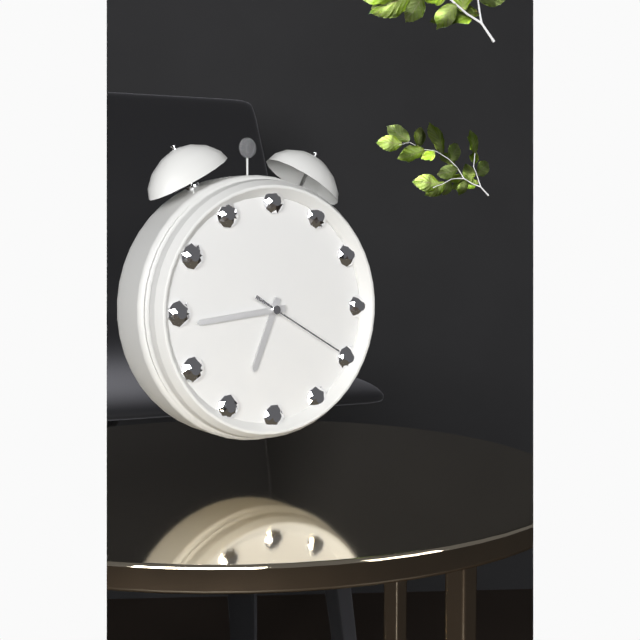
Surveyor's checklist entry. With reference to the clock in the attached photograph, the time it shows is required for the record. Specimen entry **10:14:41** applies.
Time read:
**6:44:20**
